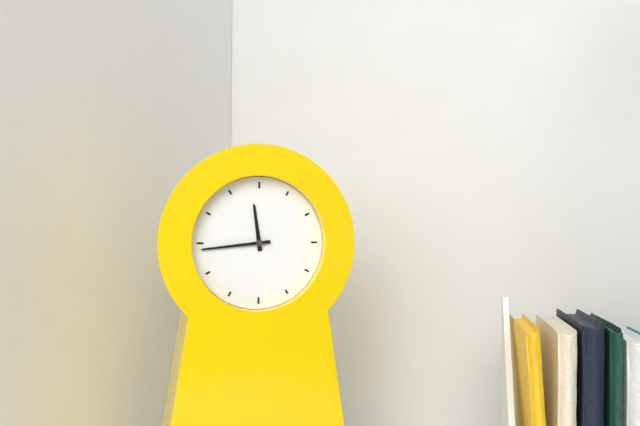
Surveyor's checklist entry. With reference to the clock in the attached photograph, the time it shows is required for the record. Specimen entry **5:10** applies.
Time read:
**11:44**
